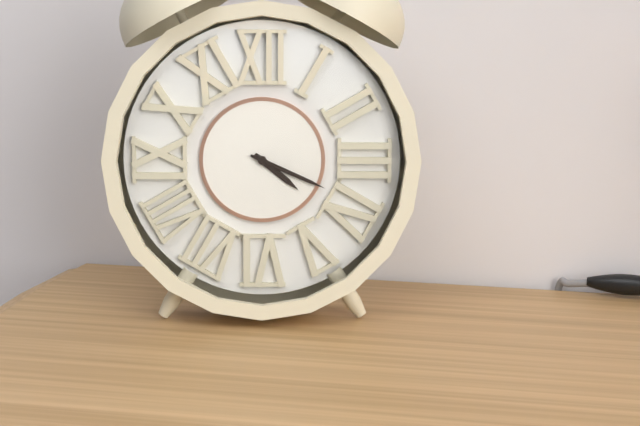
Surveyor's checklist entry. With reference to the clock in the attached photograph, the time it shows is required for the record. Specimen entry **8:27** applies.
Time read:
**4:19**
